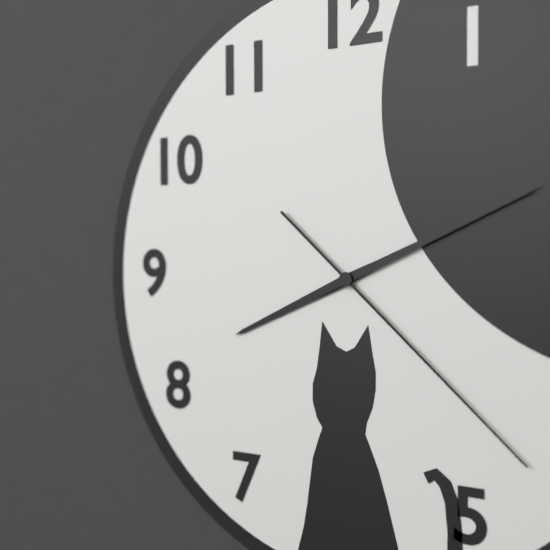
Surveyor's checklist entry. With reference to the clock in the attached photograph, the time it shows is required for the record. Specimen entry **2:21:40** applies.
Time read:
**8:11:22**
